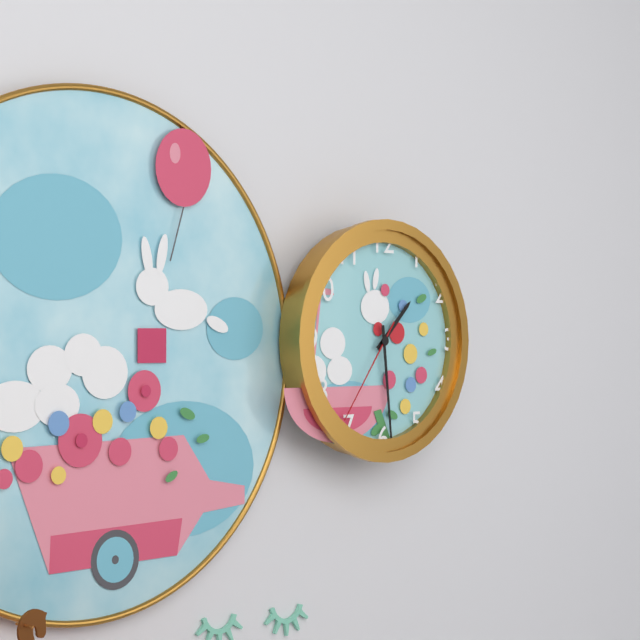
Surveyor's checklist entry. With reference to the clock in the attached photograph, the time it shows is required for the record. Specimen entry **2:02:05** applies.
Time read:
**1:29:36**
